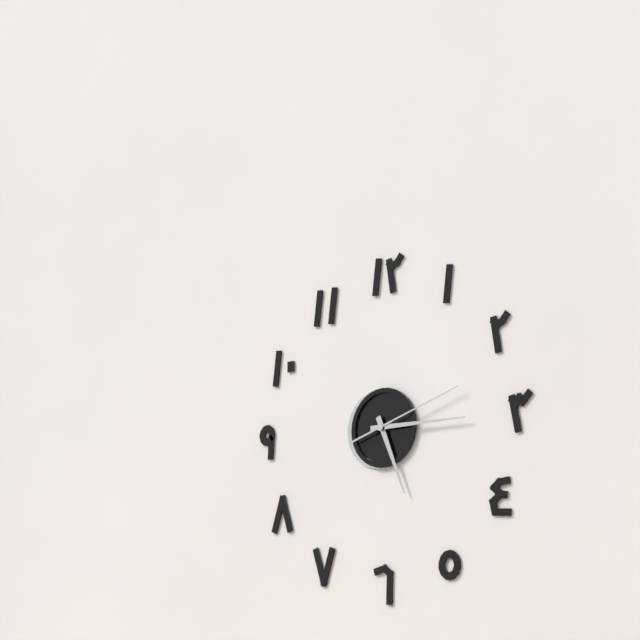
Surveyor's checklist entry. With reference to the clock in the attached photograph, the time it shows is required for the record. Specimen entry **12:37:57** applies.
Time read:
**5:15:12**
